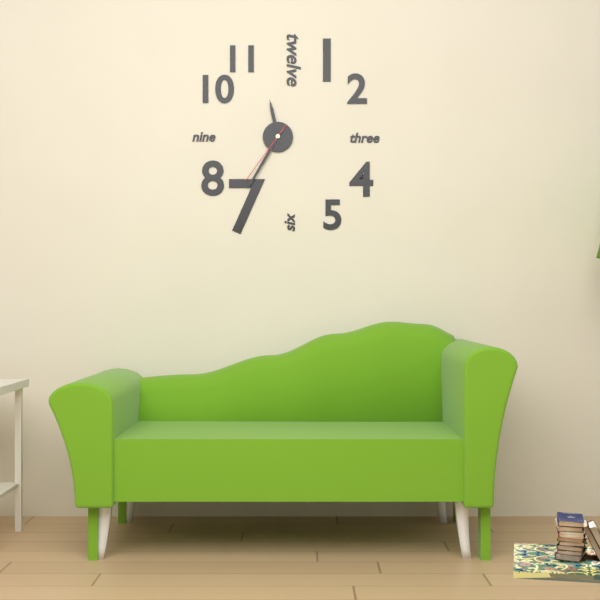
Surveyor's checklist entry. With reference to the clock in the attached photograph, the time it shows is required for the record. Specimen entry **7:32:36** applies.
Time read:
**11:35:36**
